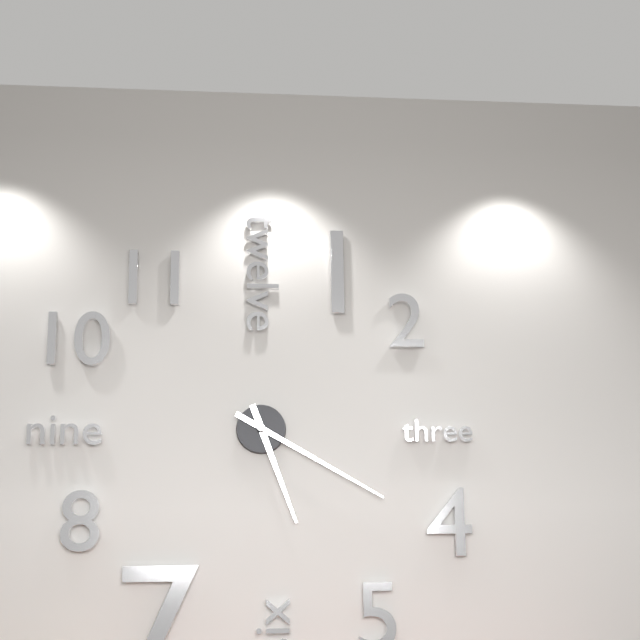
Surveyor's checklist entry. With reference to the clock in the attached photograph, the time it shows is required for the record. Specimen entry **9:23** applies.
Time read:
**5:20**
